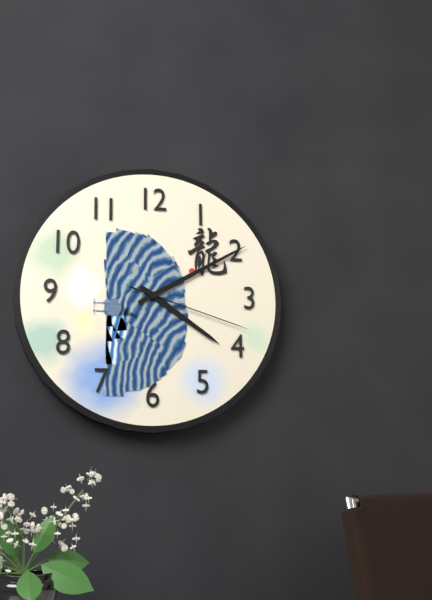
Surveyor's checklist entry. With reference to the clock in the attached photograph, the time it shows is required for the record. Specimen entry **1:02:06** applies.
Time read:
**4:10:18**
